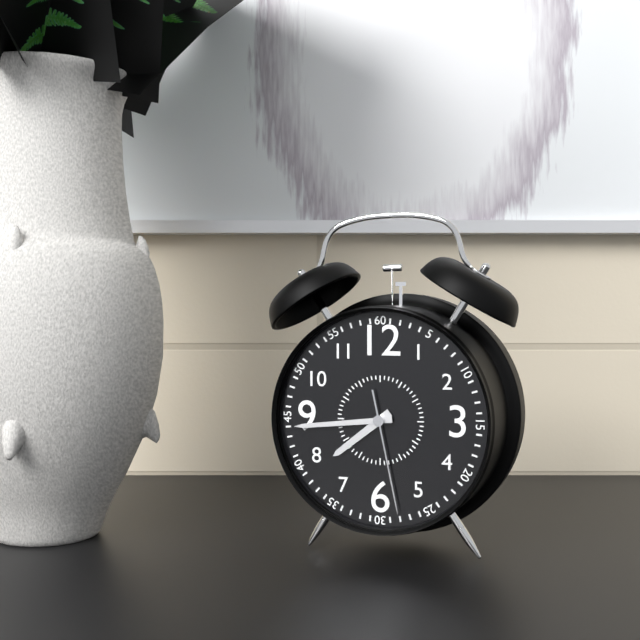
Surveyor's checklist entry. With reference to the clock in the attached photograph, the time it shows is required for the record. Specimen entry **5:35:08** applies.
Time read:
**7:44:28**
